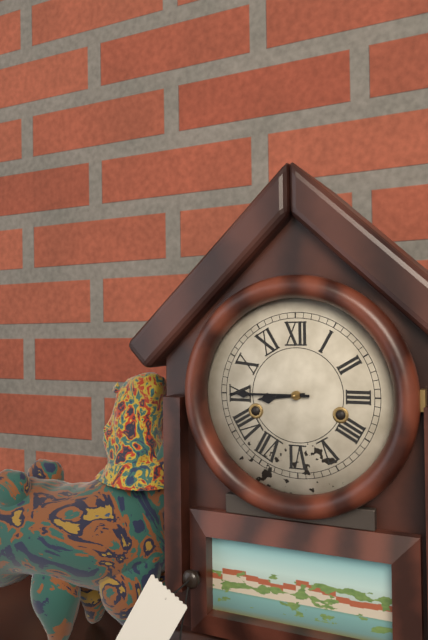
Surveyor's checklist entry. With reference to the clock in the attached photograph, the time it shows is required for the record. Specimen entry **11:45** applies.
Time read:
**8:45**
